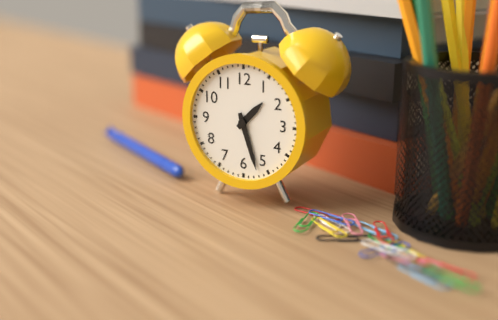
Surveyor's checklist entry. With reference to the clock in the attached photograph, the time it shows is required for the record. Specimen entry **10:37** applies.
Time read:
**1:27**
